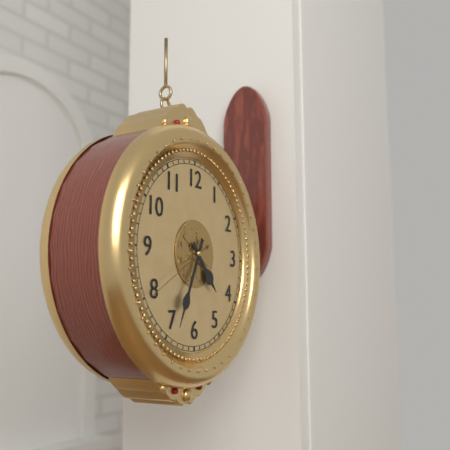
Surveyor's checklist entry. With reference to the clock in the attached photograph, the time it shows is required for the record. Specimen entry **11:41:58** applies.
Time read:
**4:34:40**
